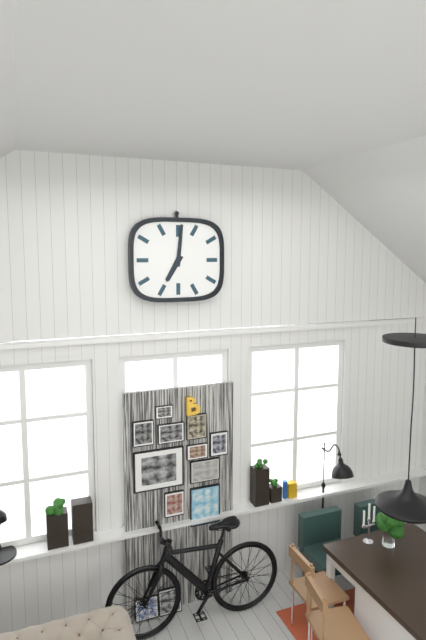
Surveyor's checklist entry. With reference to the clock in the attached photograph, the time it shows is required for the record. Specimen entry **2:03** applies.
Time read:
**7:01**
